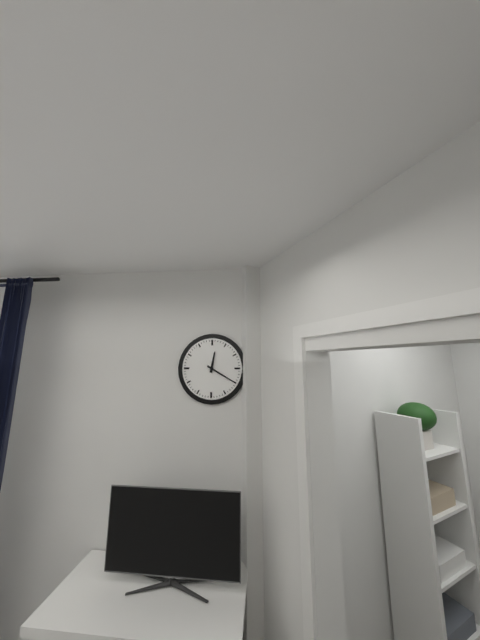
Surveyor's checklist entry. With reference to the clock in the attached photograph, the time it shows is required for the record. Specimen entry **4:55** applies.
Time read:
**12:20**
